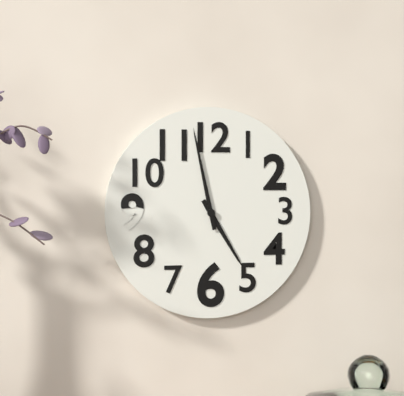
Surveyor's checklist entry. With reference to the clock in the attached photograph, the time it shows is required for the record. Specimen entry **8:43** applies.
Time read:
**4:58**
